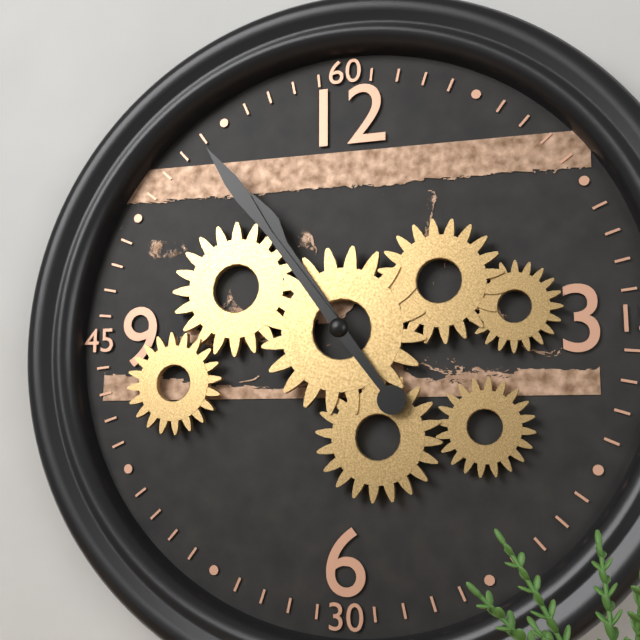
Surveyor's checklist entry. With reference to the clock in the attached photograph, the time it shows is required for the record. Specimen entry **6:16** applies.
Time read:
**10:54**
